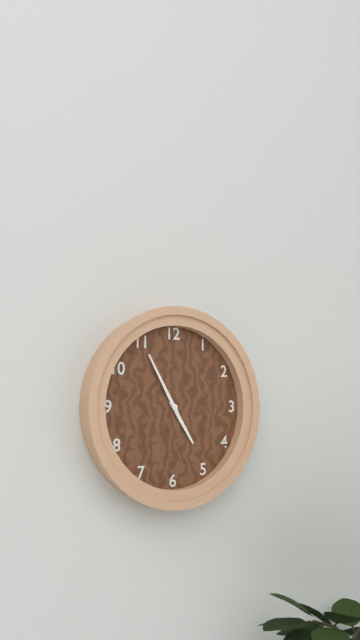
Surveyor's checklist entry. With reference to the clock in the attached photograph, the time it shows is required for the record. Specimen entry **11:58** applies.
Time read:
**4:55**
